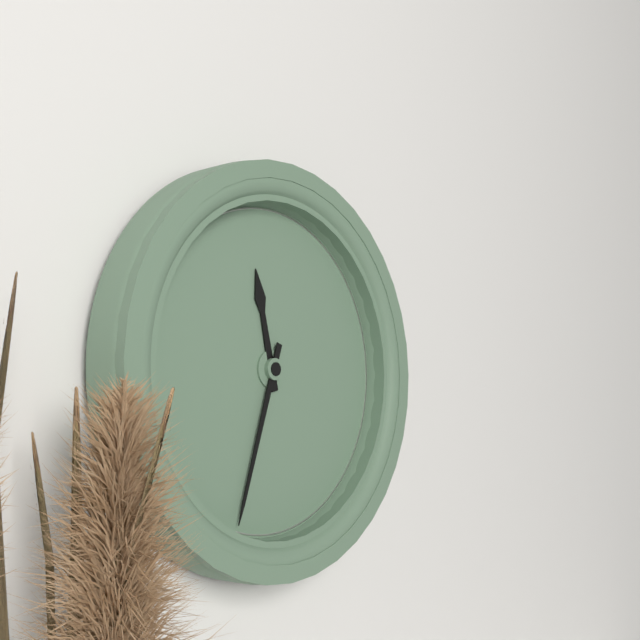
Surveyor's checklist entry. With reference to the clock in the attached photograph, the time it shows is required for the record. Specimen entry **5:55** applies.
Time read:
**11:33**
